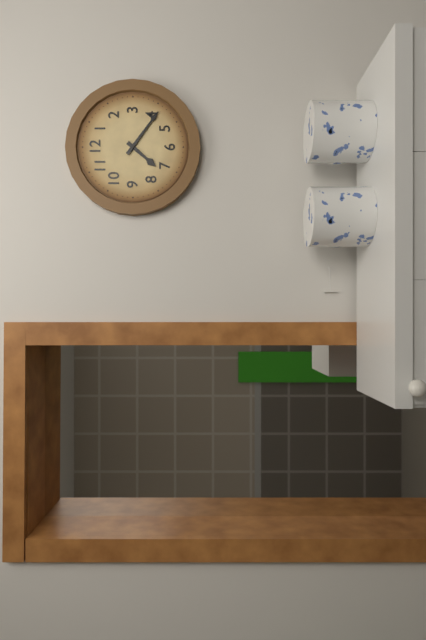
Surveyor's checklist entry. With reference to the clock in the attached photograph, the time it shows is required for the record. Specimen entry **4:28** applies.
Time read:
**7:21**
